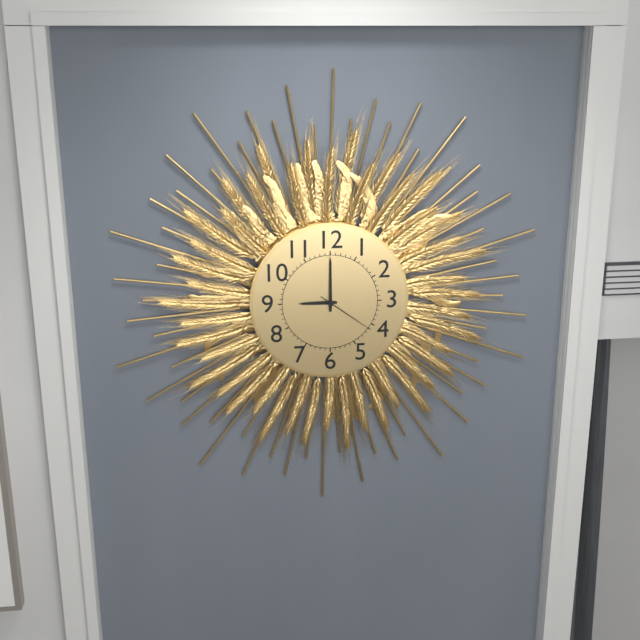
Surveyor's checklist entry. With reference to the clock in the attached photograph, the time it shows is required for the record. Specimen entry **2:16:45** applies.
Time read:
**9:00:21**
